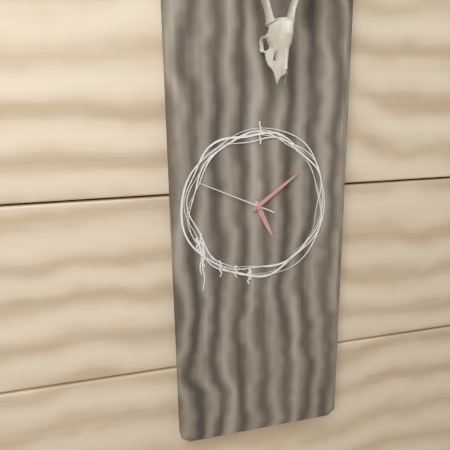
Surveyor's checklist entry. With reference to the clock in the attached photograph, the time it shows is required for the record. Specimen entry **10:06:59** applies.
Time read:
**5:09:49**
